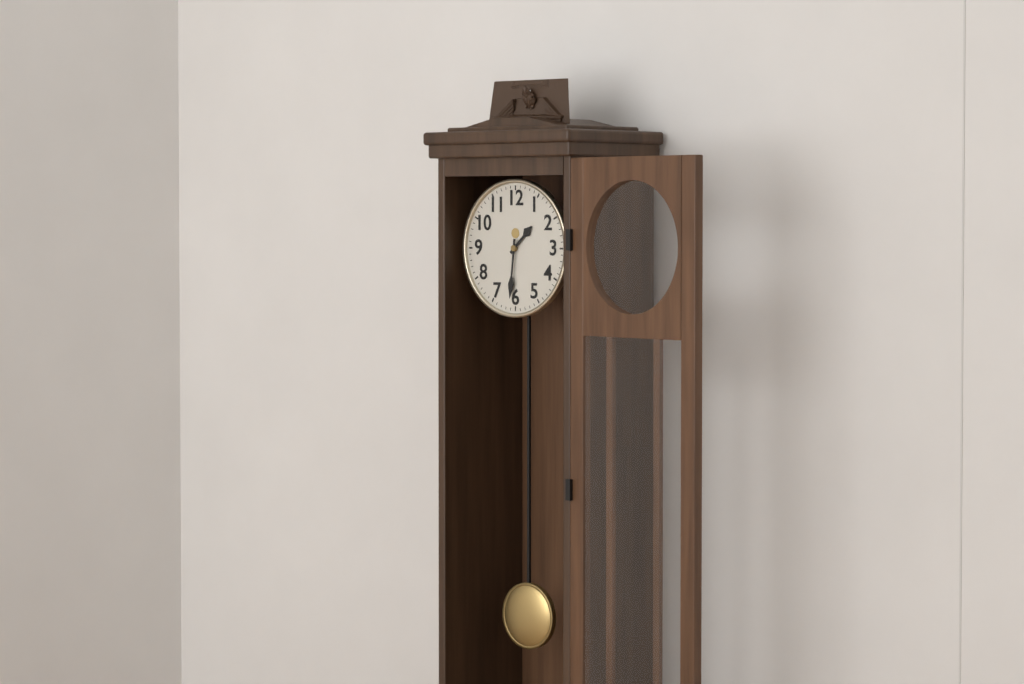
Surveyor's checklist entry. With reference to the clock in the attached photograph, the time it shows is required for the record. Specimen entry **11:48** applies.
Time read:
**1:31**
